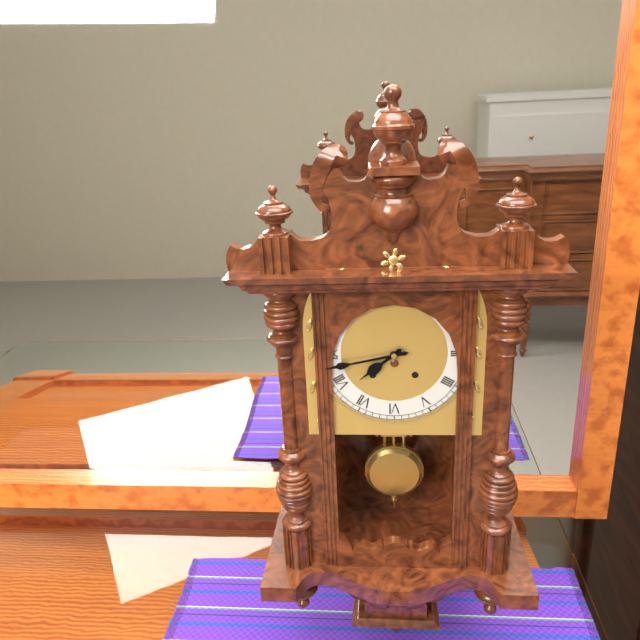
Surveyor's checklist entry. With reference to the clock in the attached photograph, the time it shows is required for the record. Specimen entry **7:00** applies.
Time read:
**7:43**
